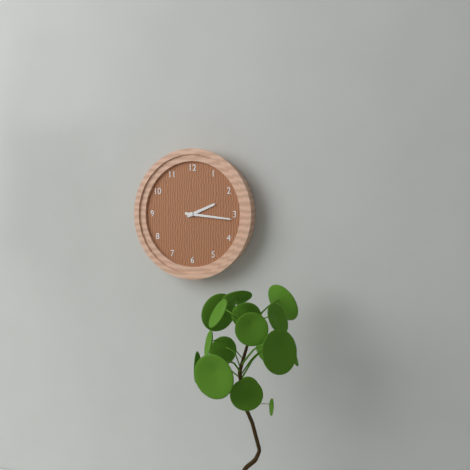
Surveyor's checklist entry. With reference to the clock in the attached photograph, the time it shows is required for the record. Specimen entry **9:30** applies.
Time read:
**2:16**
